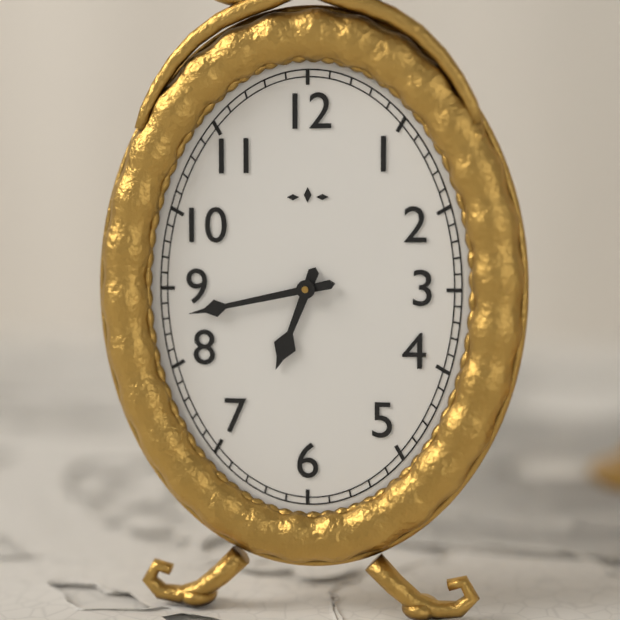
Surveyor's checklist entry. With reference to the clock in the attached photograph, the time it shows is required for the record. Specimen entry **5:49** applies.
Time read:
**6:43**
